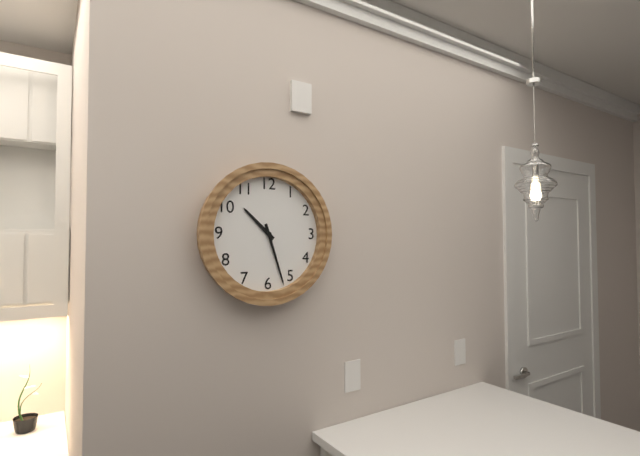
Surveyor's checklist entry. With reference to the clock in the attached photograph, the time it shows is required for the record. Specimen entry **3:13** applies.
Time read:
**10:27**
